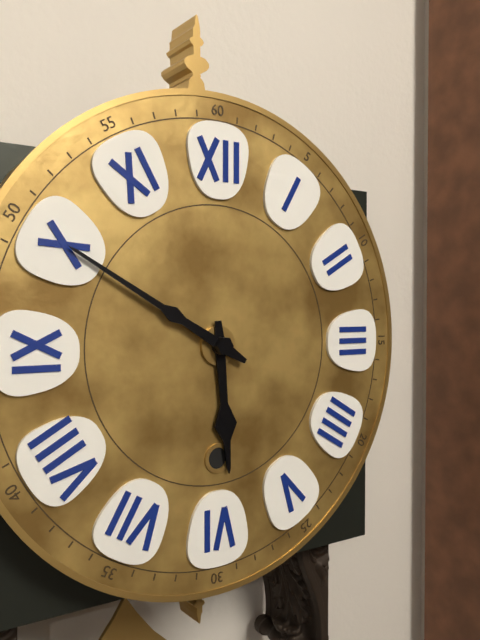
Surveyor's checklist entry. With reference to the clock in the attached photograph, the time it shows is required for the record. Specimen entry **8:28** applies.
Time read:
**5:50**
